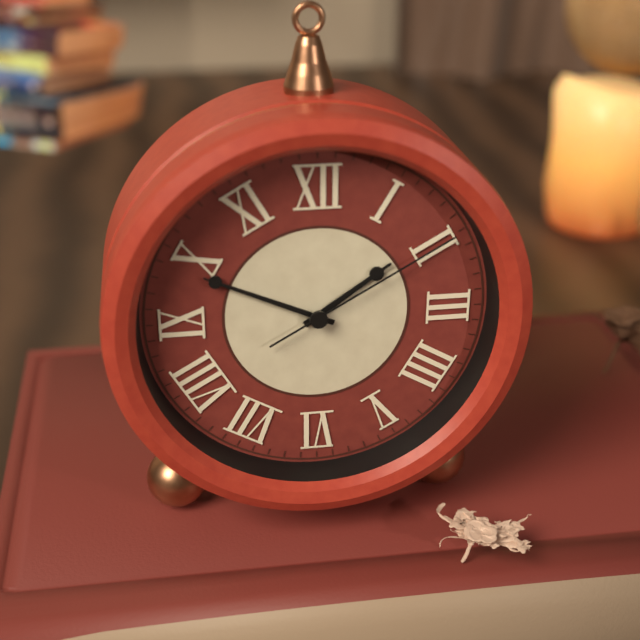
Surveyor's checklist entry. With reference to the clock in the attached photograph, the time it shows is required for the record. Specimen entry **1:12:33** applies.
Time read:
**1:49:10**
